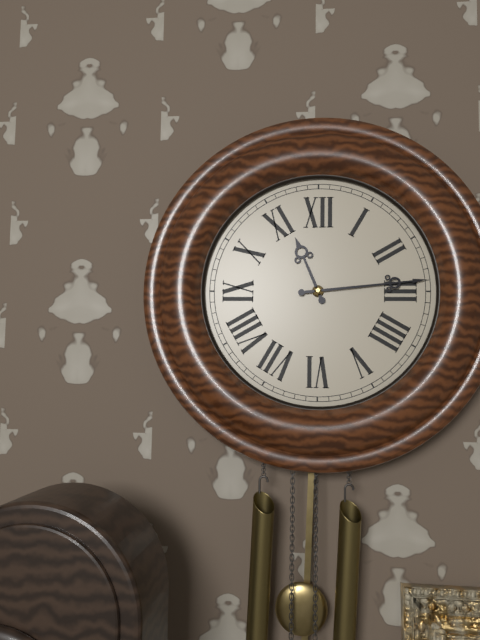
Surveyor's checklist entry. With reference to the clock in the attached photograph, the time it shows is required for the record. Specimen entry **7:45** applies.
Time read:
**11:14**
